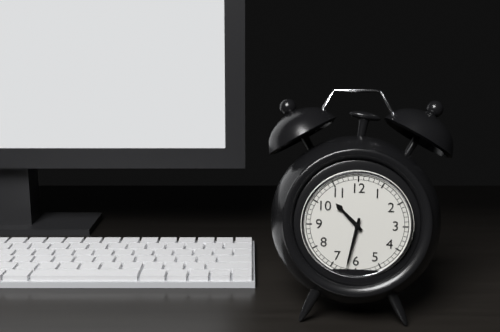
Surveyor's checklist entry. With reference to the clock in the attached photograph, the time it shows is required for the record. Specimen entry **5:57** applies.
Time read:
**10:32**
